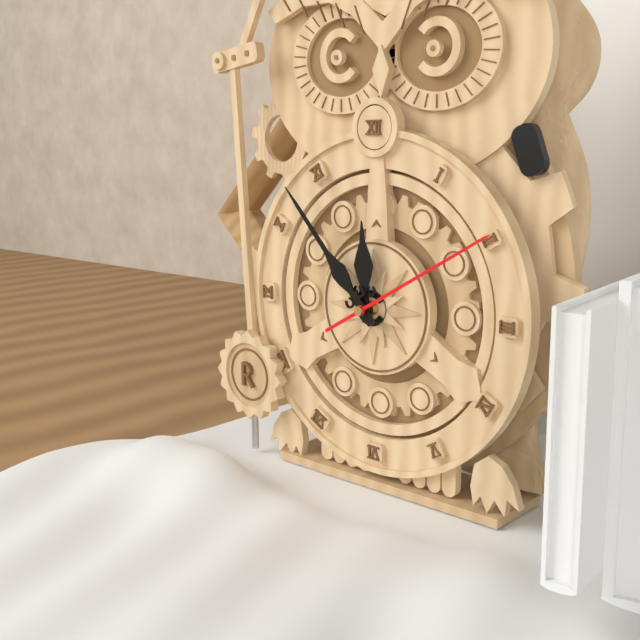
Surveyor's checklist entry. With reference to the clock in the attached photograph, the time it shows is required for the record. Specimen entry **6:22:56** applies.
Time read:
**11:53:10**
